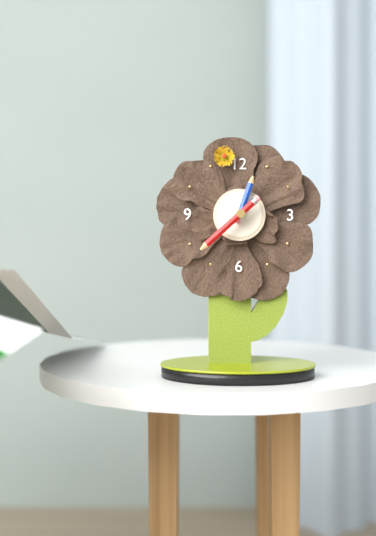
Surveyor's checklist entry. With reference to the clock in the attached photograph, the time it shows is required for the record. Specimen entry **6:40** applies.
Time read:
**12:38**
